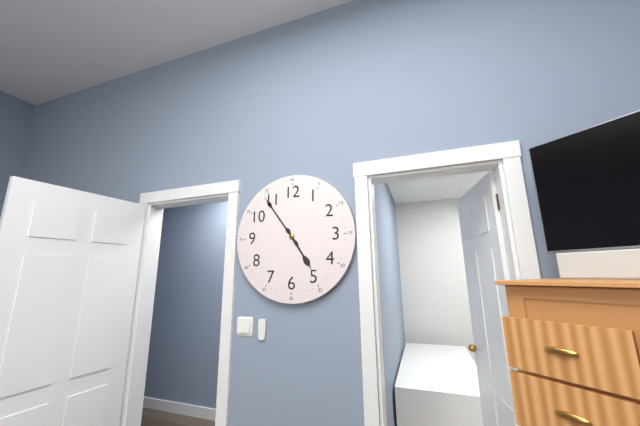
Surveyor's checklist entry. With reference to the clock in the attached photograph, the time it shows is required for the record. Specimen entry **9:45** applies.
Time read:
**4:54**
